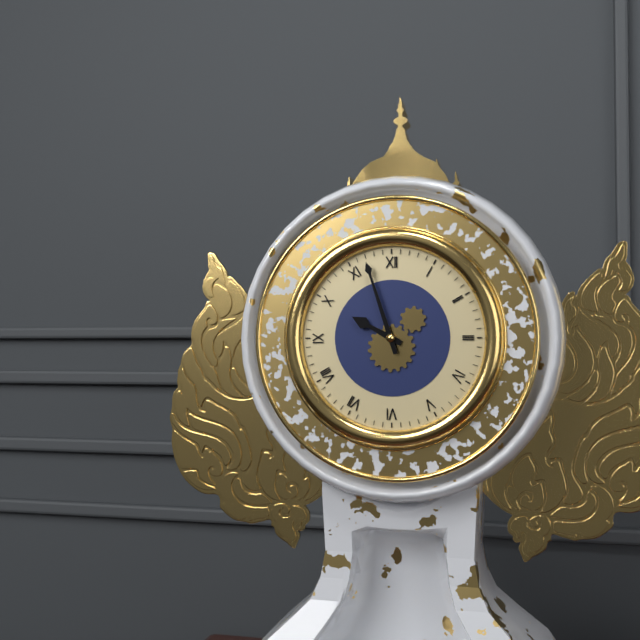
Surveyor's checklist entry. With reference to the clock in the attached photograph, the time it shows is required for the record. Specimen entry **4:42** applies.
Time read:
**9:57**
